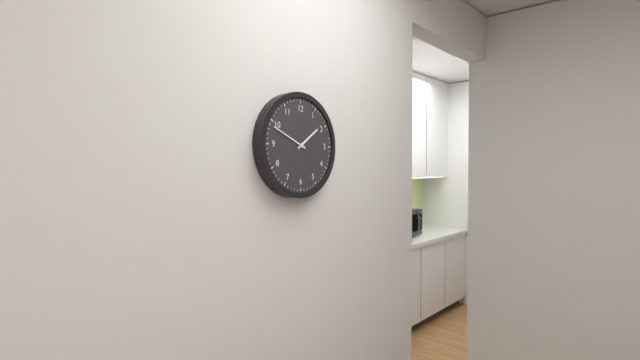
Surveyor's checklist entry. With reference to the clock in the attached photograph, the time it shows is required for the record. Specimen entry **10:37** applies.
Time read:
**1:49**
